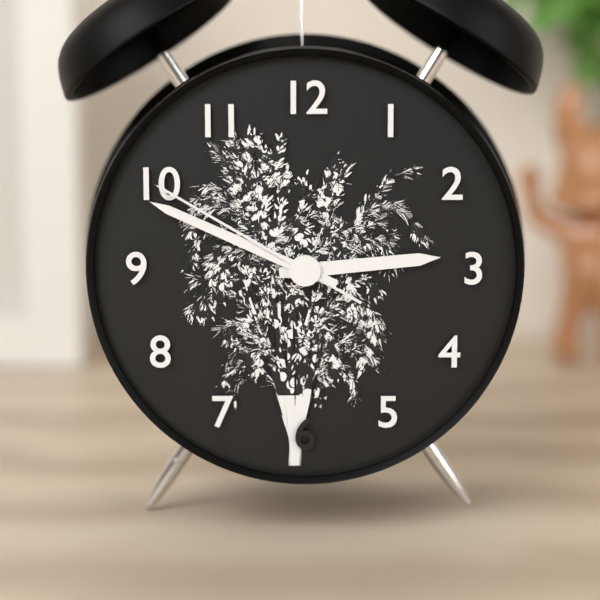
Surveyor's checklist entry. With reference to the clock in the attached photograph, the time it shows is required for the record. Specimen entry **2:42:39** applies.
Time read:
**2:49:50**
